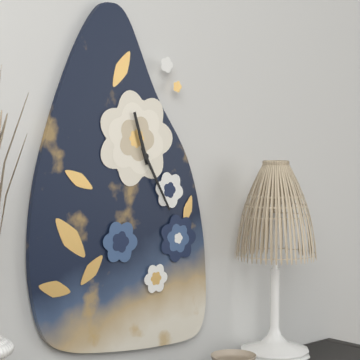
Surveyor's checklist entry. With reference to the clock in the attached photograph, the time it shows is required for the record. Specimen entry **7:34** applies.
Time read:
**11:25**
